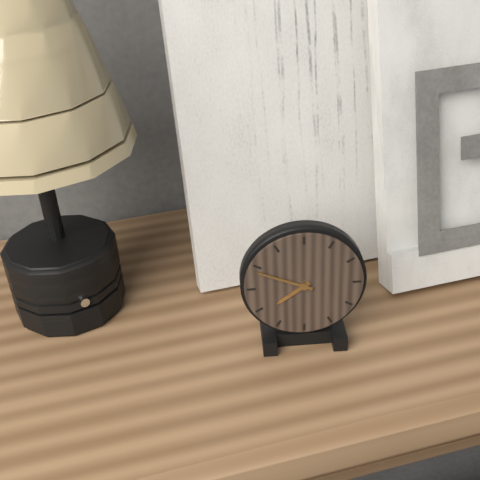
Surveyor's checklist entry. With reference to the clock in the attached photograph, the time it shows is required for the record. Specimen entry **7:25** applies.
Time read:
**7:49**
